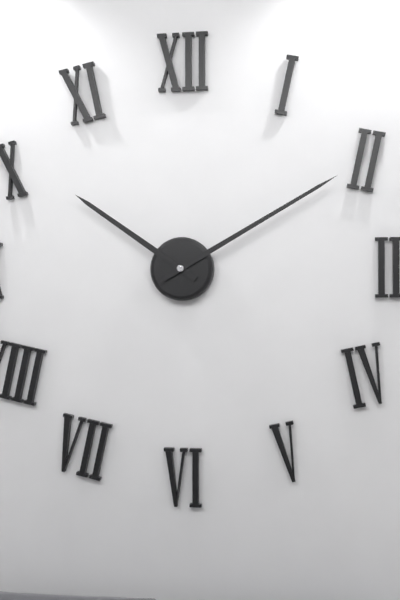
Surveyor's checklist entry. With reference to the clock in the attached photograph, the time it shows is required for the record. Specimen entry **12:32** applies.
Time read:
**10:10**
